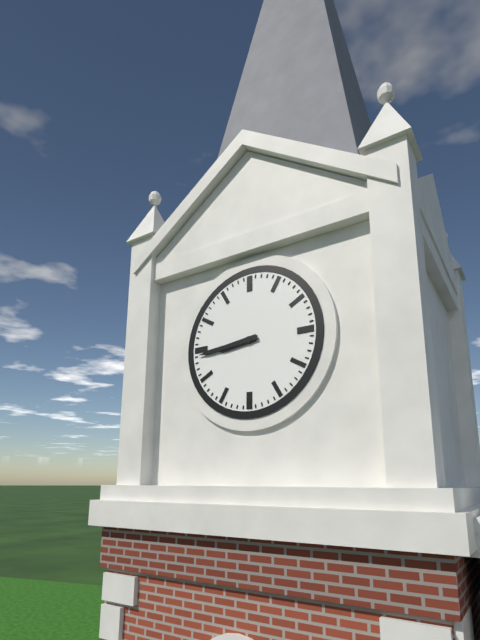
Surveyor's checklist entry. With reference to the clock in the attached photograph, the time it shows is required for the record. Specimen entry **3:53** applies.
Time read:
**8:44**
